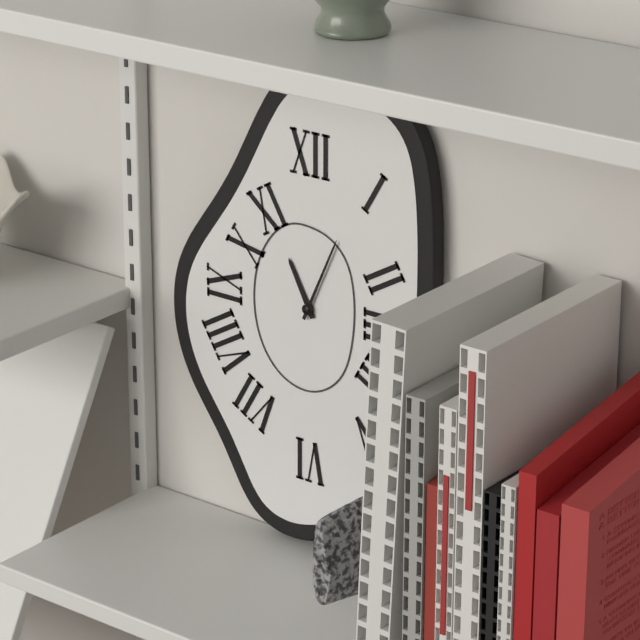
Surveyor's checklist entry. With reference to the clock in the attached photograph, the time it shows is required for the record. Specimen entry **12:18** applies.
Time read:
**11:04**
